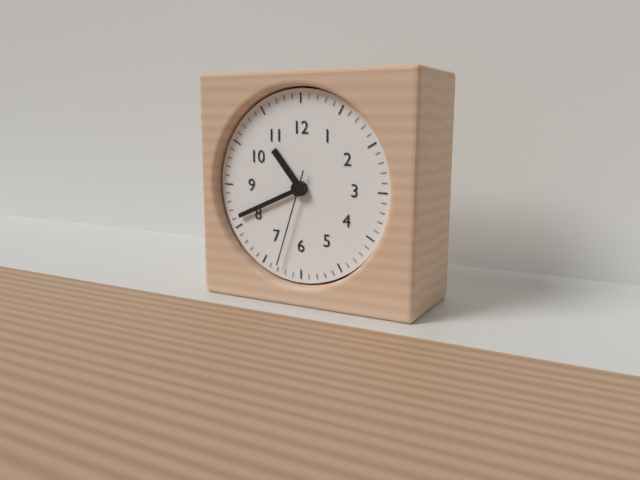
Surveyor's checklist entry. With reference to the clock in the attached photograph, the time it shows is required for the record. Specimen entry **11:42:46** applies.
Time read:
**10:41:33**
